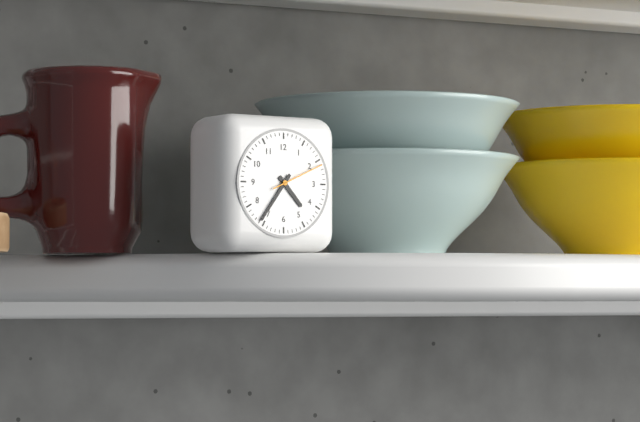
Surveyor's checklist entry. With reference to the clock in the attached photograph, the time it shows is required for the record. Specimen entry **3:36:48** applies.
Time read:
**4:36:11**
